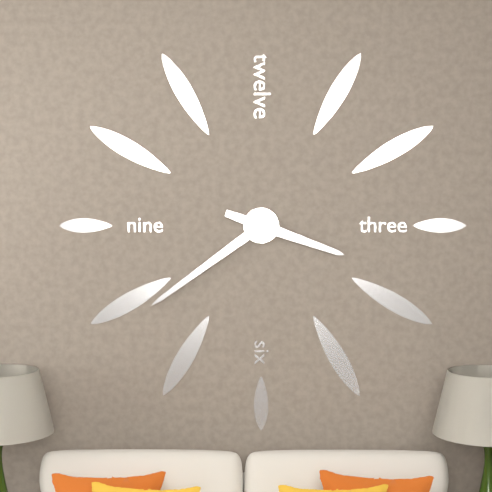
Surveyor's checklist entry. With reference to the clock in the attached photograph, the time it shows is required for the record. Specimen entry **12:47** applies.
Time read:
**3:39**
